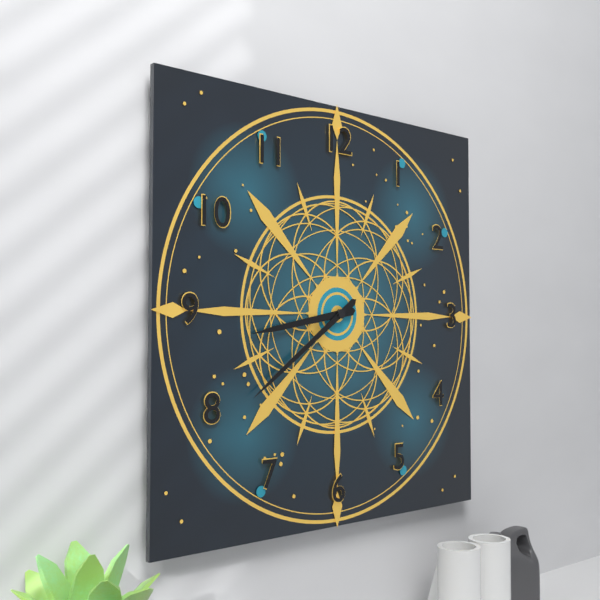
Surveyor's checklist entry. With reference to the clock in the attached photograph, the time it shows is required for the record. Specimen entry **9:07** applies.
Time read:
**8:39**
